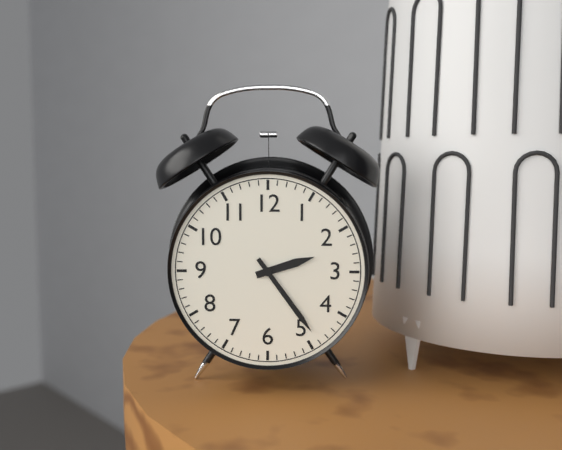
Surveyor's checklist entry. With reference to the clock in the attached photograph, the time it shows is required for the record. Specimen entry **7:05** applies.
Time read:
**2:24**
